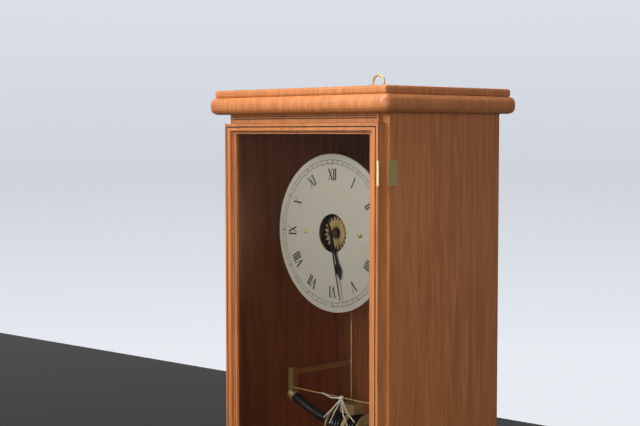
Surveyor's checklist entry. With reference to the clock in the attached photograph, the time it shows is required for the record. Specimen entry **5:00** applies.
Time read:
**5:28**
